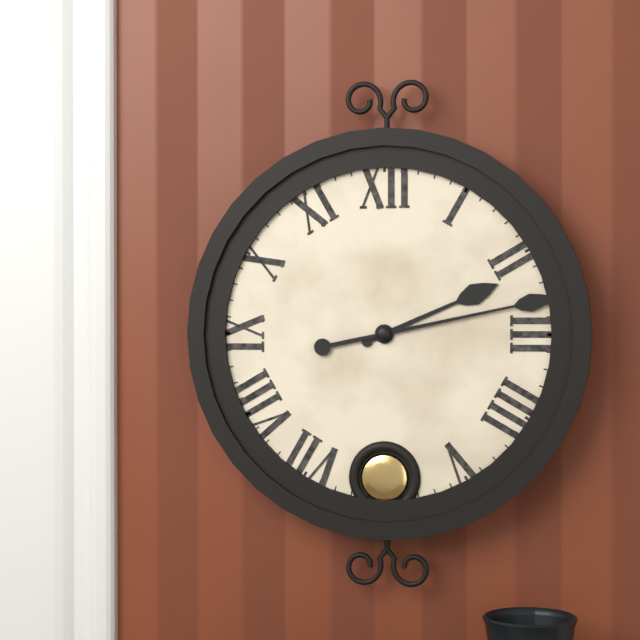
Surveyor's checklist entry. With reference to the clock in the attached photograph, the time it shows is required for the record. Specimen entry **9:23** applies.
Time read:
**2:13**
